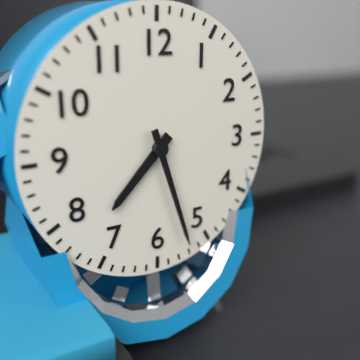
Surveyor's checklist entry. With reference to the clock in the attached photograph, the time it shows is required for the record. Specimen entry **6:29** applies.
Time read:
**7:27**
